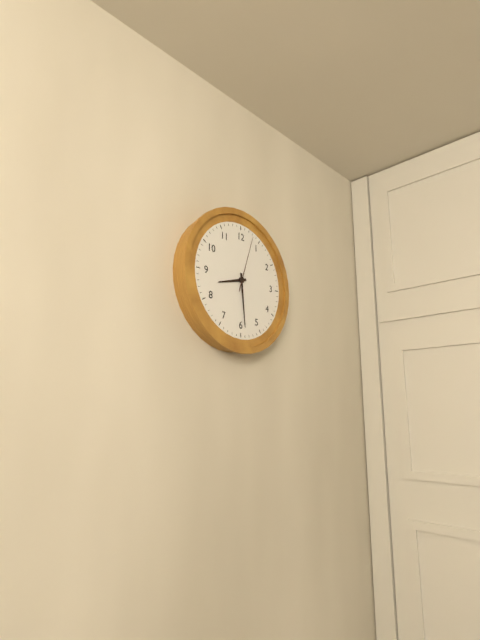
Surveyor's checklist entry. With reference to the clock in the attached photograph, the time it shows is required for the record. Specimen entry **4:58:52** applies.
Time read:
**8:29:03**
